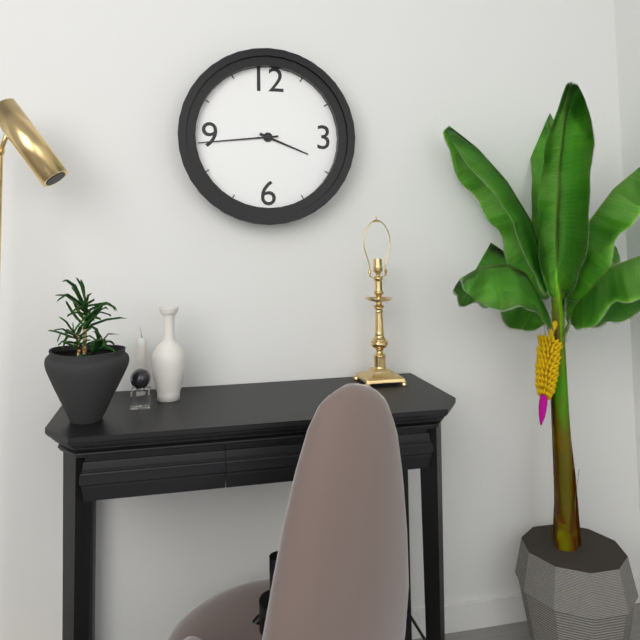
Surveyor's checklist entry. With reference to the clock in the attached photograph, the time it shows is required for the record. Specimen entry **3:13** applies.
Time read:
**3:44**
